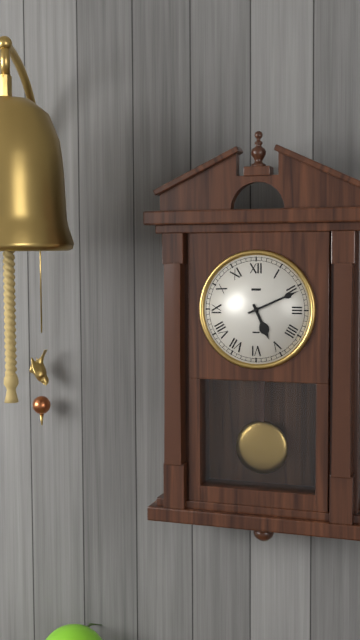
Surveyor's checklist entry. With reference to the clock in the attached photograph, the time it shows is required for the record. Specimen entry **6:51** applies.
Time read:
**5:11**
